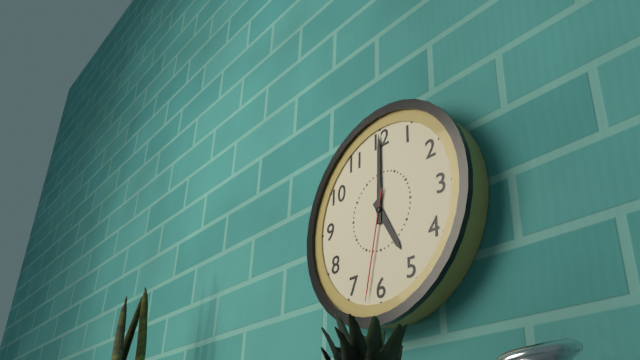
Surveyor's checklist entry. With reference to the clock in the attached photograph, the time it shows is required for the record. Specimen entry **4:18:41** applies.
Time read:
**5:00:32**
